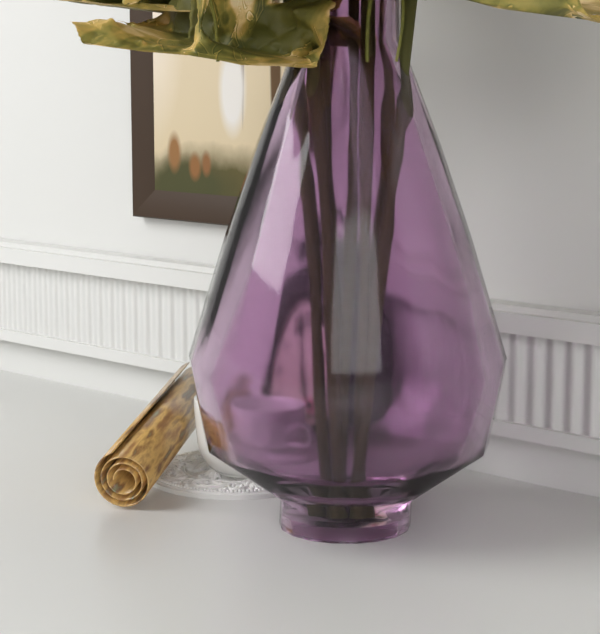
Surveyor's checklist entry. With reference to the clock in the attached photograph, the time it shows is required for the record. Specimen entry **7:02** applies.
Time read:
**4:57**
